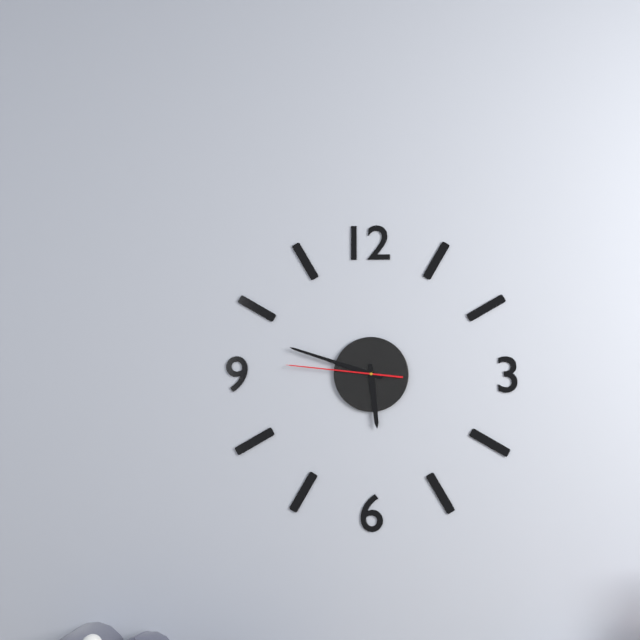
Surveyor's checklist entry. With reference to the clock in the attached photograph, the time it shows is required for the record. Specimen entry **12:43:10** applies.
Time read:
**5:48:46**
